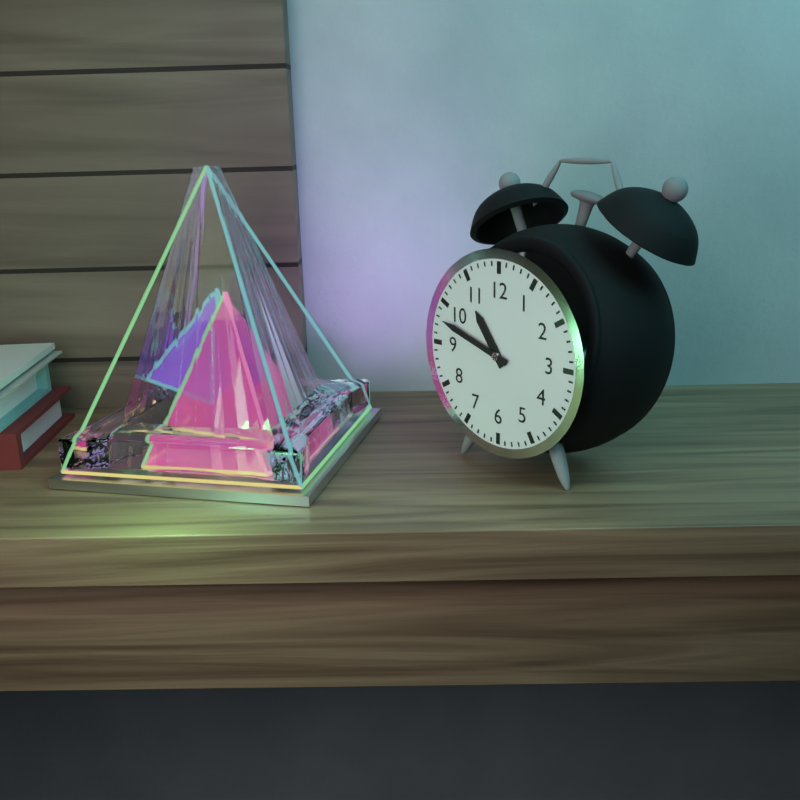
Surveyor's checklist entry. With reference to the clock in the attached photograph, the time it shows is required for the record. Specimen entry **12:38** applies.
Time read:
**10:48**
